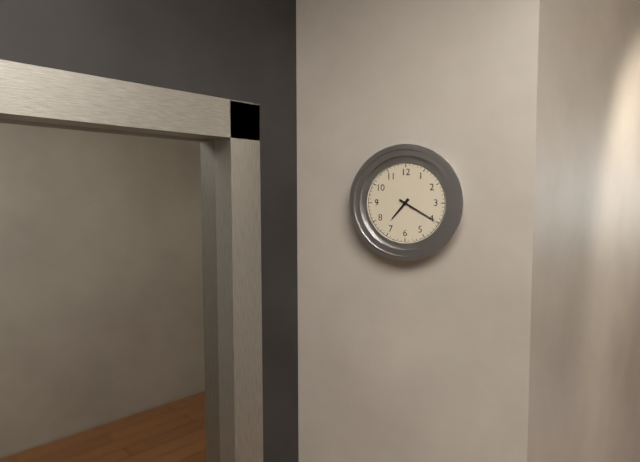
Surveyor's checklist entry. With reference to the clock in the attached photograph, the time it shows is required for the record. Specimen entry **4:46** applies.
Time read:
**7:20**
